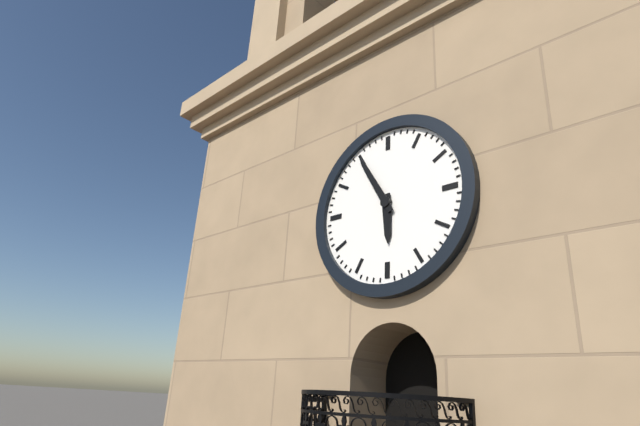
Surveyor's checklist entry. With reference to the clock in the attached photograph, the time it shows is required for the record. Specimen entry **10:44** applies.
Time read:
**5:55**
